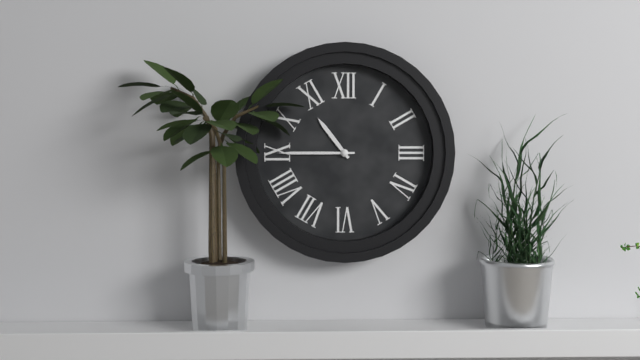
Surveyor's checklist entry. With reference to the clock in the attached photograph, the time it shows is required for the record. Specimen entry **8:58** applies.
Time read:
**10:45**
